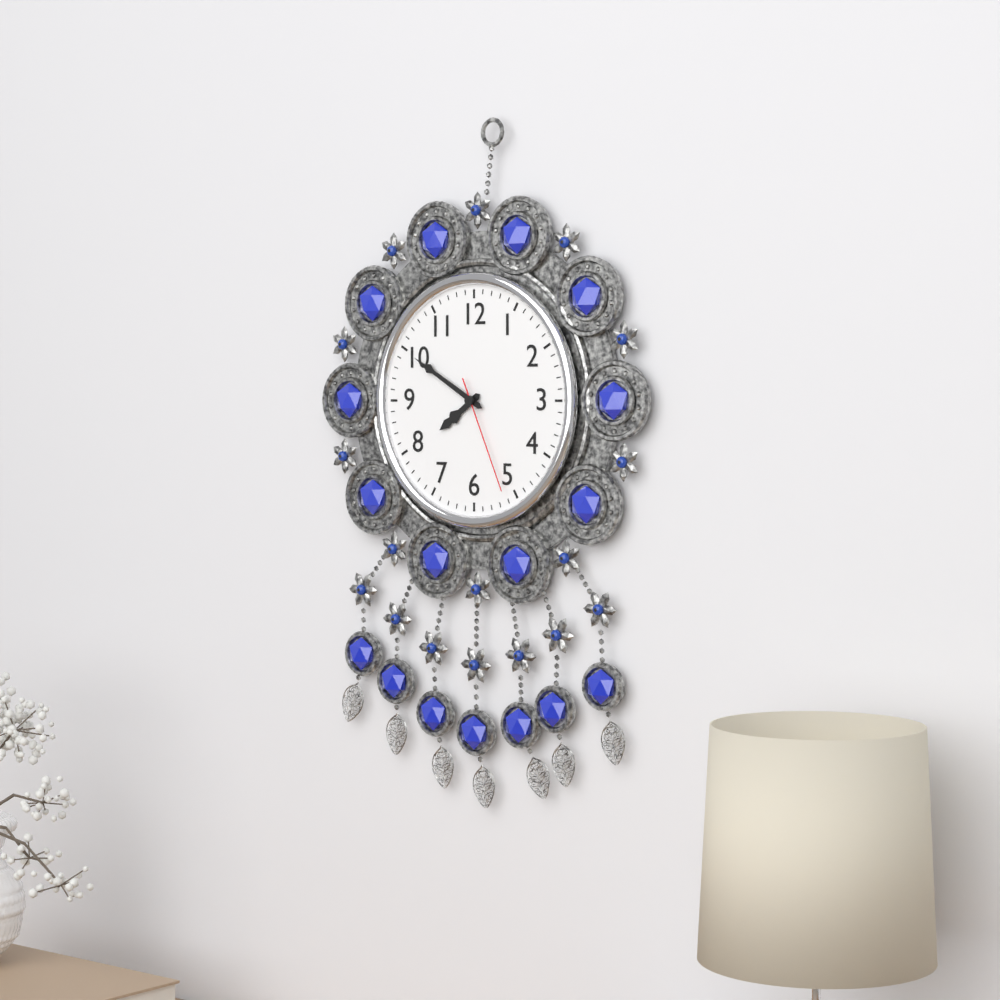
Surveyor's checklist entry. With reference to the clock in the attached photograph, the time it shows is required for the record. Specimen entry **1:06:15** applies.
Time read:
**7:50:26**
